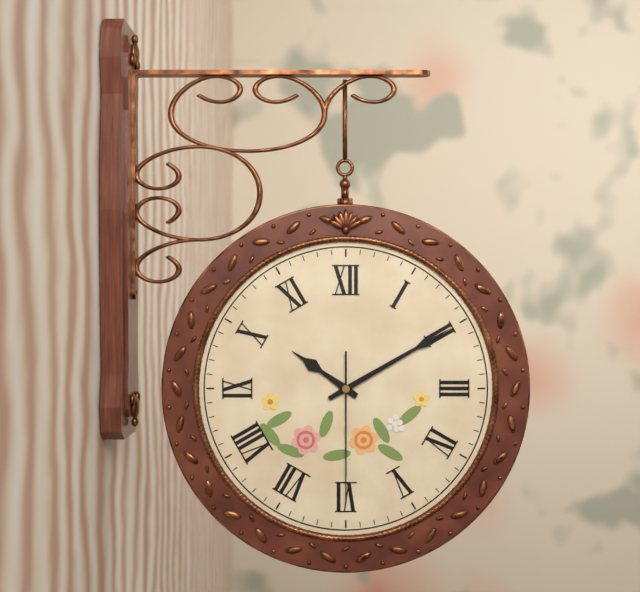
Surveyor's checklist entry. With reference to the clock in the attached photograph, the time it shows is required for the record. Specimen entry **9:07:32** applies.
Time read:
**10:10:30**
